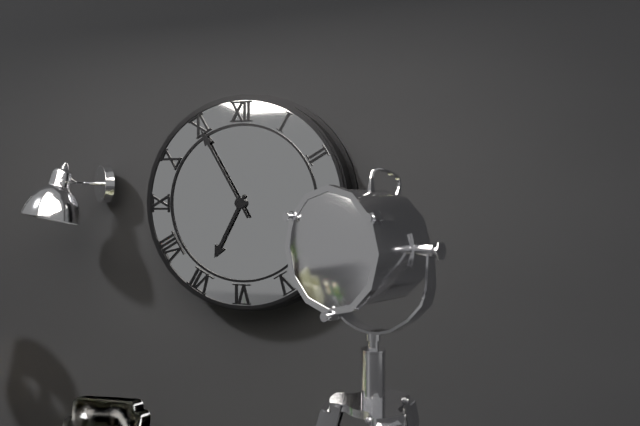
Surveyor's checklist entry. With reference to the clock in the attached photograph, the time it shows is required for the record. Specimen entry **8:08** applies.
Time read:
**6:55**
